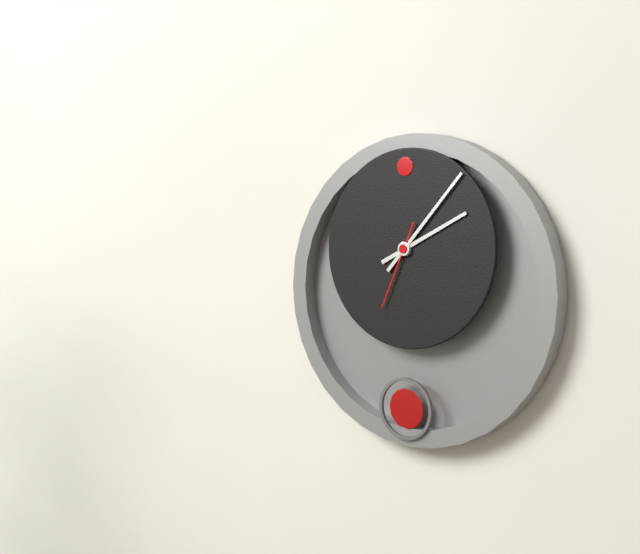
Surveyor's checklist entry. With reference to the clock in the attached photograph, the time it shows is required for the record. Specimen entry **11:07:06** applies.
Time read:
**2:07:34**
